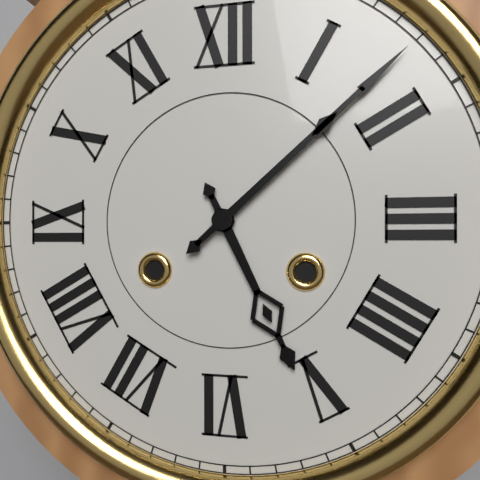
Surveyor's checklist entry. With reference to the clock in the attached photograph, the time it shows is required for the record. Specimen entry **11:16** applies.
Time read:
**5:08**
